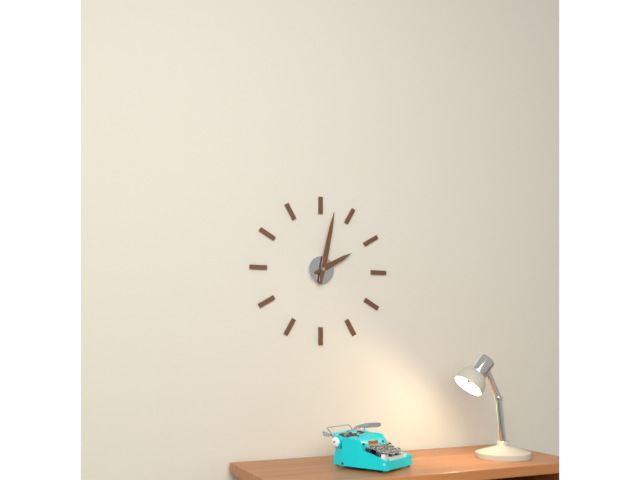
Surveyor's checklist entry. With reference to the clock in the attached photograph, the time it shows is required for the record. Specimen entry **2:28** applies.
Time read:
**2:02**
